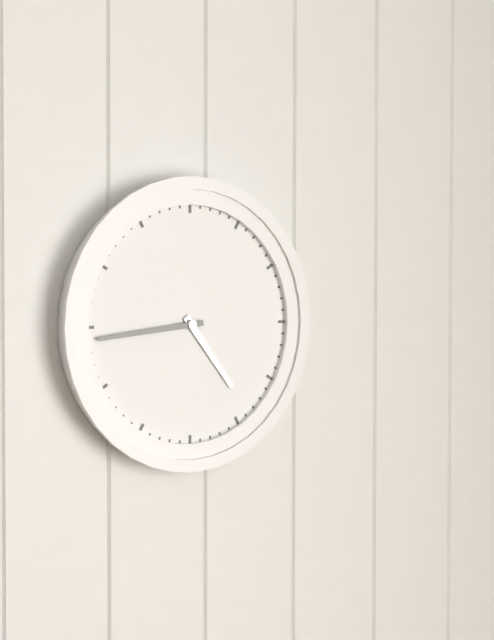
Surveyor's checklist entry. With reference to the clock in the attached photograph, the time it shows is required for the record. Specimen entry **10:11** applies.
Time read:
**4:44**
